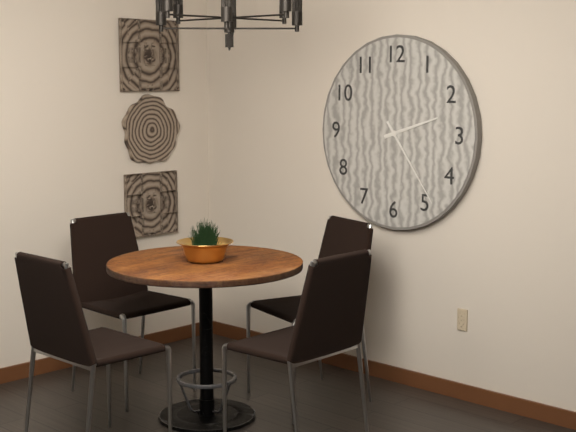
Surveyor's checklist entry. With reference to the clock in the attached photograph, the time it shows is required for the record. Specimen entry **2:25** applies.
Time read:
**2:24**
